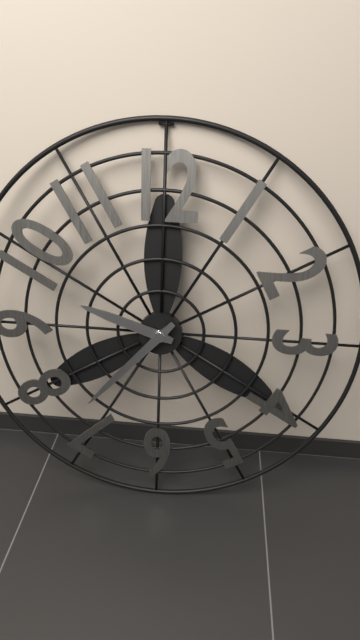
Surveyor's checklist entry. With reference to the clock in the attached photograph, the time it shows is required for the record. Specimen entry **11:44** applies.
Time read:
**9:37**
